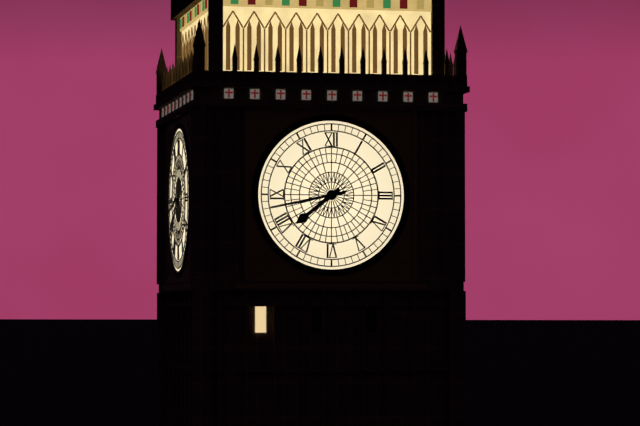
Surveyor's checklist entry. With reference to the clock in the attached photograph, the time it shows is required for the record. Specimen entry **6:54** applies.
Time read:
**7:43**
